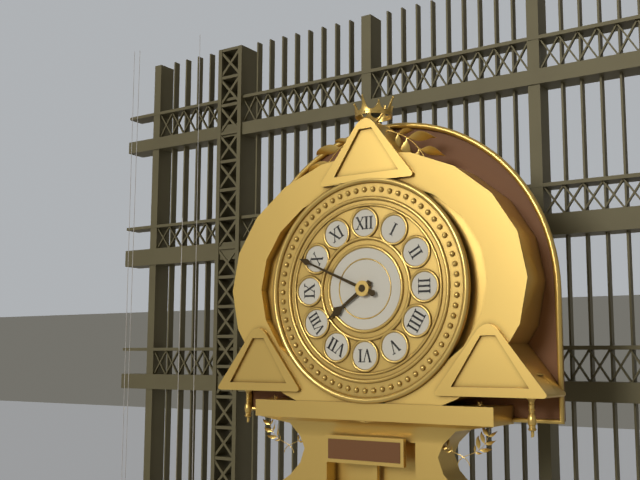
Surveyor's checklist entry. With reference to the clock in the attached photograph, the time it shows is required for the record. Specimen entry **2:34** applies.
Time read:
**7:49**
